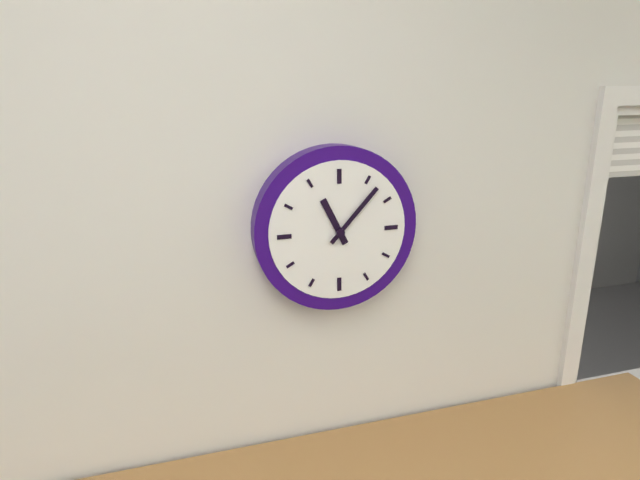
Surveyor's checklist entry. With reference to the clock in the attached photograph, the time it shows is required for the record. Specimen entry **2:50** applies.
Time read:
**11:07**
